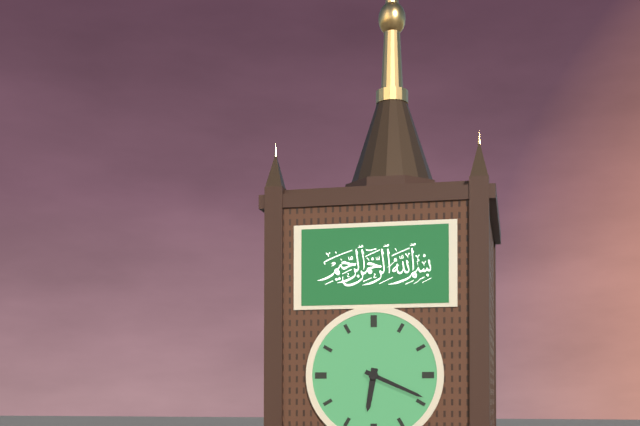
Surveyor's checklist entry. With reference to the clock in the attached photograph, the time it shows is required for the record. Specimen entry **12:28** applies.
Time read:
**6:19**
